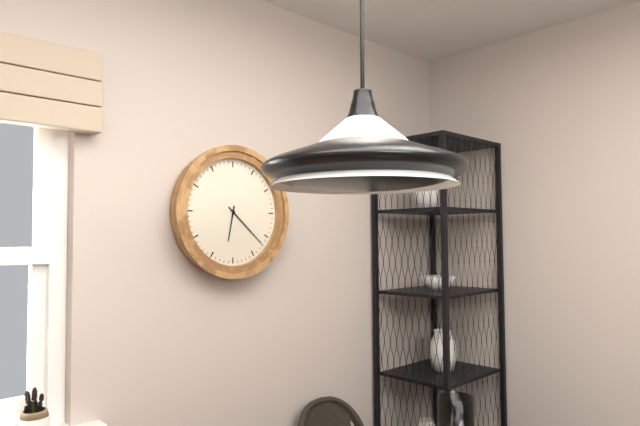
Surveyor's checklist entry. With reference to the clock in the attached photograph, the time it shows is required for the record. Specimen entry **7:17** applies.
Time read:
**6:22**
